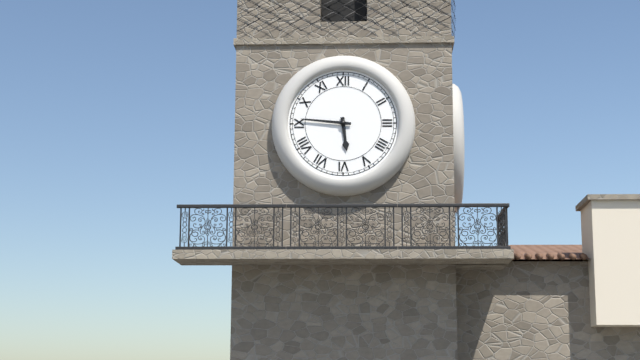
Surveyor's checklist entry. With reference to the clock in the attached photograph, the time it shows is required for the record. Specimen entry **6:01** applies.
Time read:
**5:46**
